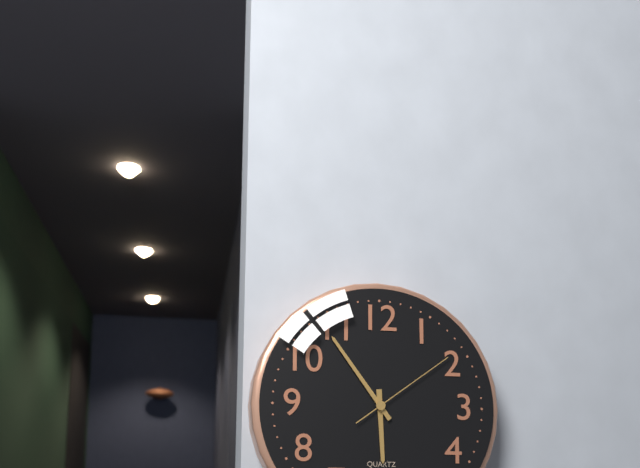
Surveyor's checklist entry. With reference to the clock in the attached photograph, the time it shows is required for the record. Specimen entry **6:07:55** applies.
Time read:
**5:54:09**
